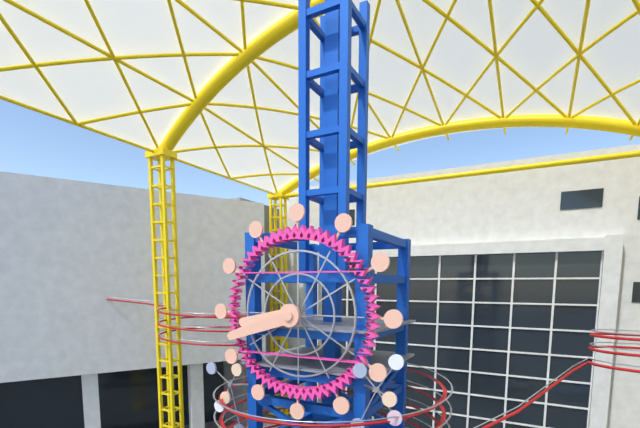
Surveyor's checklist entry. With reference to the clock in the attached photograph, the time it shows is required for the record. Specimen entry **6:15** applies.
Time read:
**8:42**
